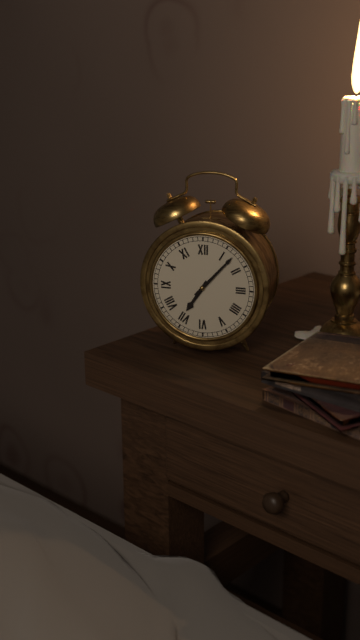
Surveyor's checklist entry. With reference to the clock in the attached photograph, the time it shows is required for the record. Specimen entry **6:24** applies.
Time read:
**7:07**
